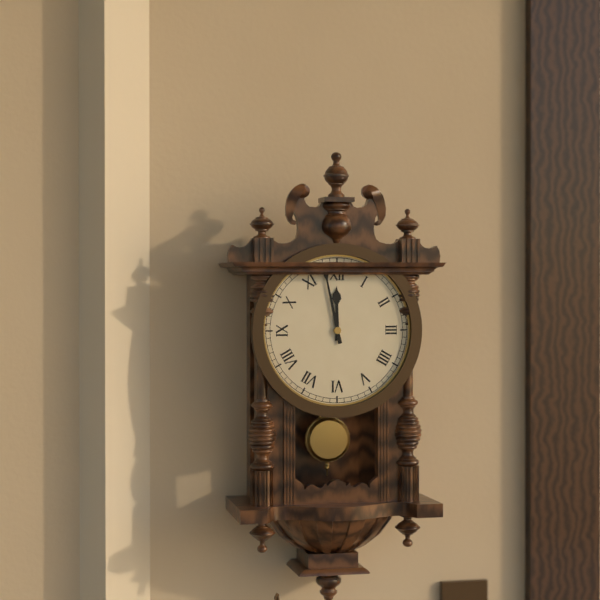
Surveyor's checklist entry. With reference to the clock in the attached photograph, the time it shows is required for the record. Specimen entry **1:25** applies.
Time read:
**11:58**
